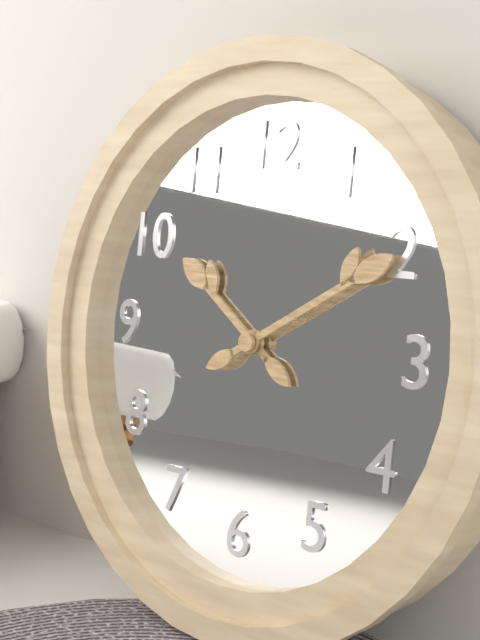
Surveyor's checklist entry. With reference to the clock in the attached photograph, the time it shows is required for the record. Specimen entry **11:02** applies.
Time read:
**10:10**
